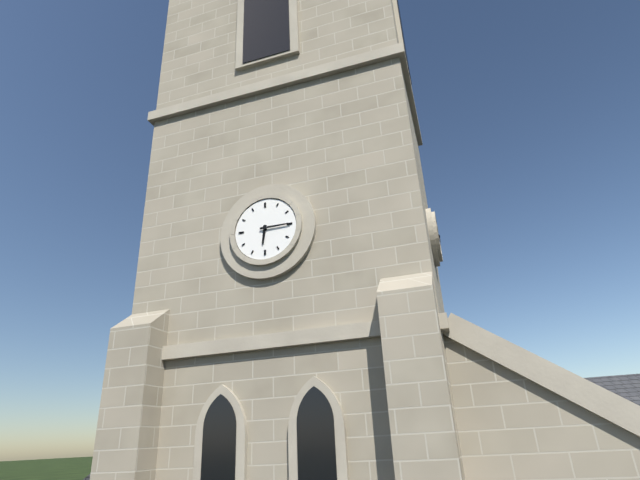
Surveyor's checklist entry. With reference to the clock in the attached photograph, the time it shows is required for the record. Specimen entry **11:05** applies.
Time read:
**6:15**
